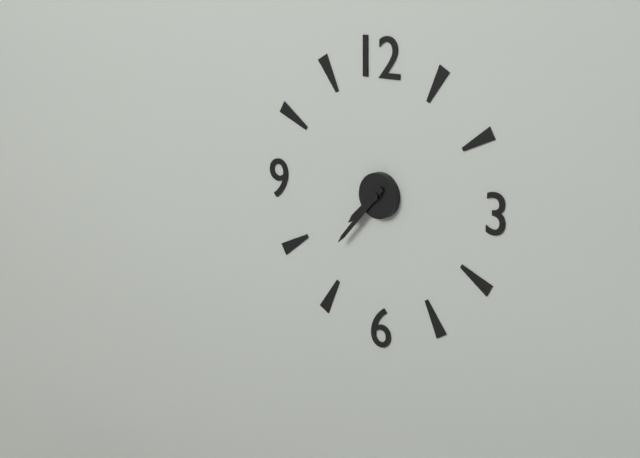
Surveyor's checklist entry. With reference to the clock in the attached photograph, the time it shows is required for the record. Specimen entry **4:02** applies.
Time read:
**7:37**
